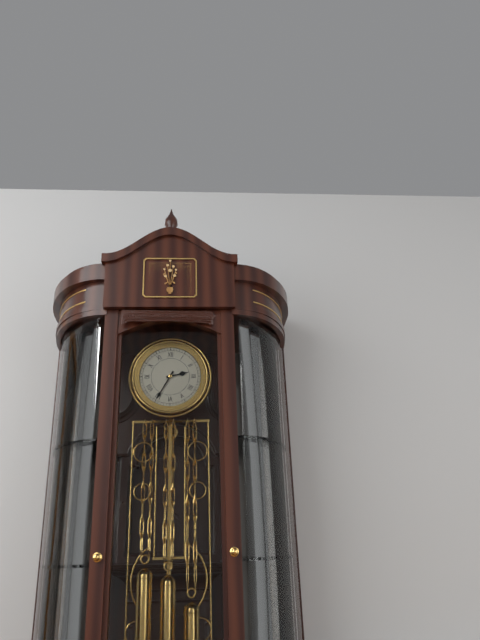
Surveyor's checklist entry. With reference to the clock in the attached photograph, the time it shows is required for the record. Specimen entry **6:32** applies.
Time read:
**2:35**
